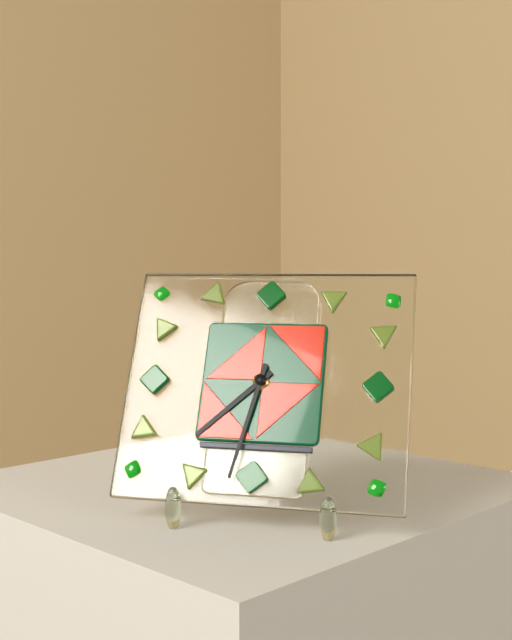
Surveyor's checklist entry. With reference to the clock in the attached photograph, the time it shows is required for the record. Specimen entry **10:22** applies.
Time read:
**7:32**
